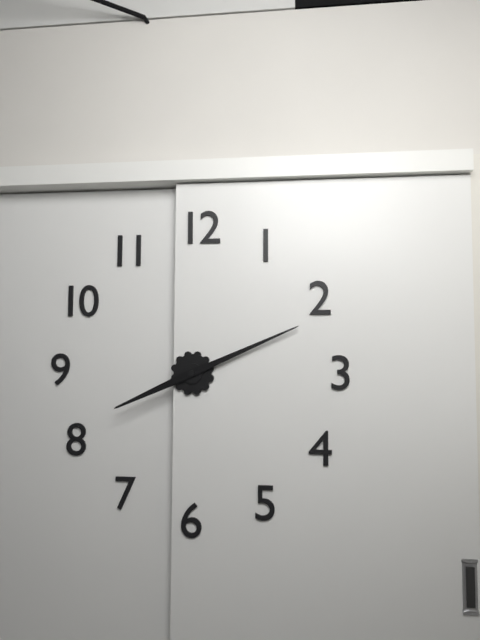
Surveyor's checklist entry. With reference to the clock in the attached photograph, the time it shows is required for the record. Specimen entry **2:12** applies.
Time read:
**8:11**
